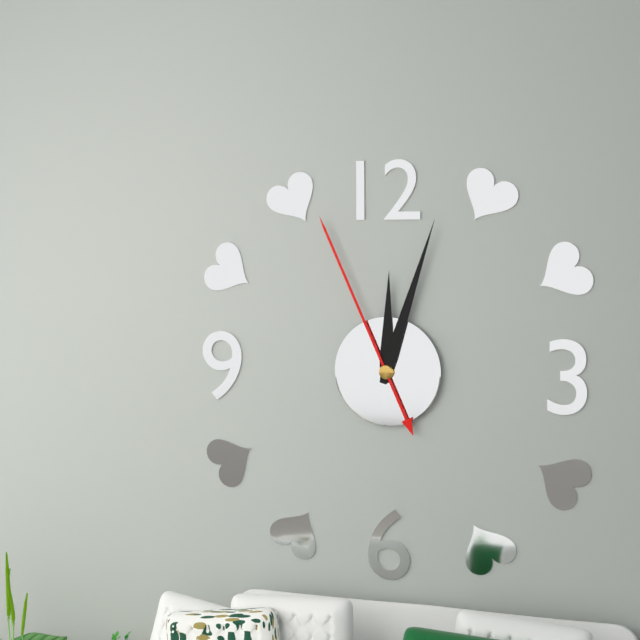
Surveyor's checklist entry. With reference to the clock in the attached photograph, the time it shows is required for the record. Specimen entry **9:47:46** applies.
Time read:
**12:03:56**
